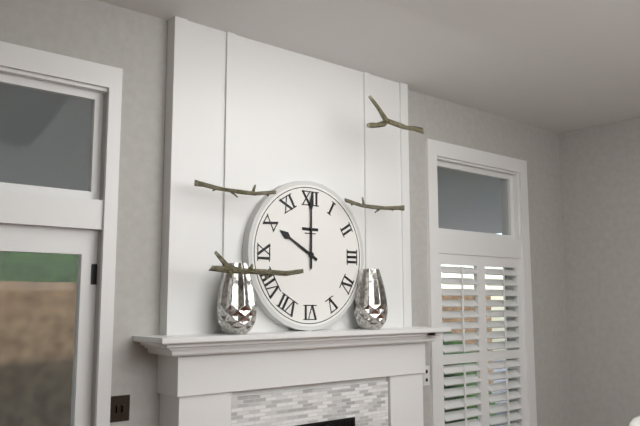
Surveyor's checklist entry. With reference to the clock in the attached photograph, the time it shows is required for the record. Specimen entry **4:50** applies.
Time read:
**10:00**
